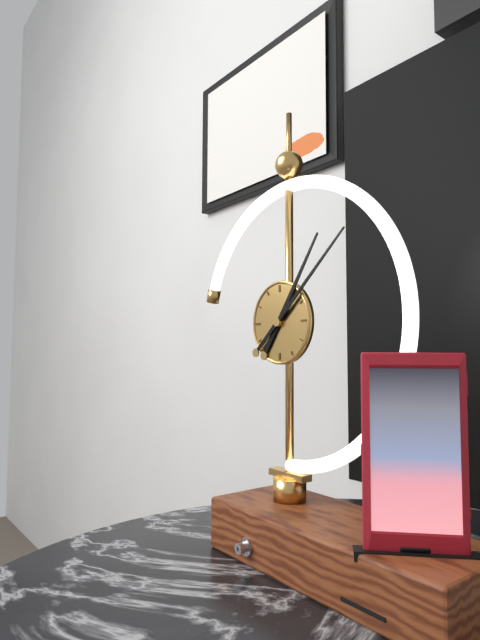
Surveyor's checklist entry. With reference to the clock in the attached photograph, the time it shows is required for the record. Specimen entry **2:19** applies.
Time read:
**1:08**
